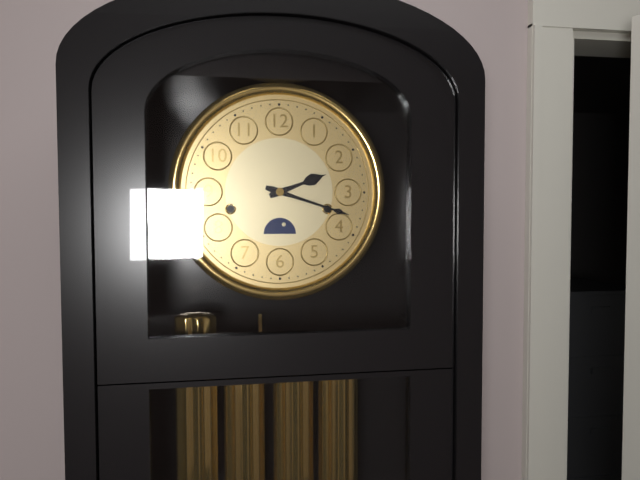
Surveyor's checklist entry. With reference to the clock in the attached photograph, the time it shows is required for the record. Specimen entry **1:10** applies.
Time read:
**2:18**
